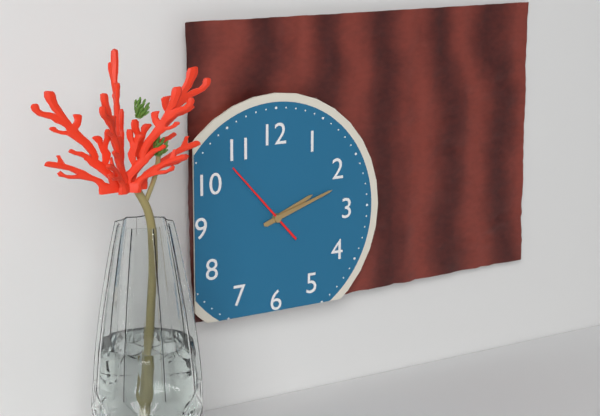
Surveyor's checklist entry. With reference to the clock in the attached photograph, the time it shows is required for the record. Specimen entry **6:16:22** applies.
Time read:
**2:12:53**
